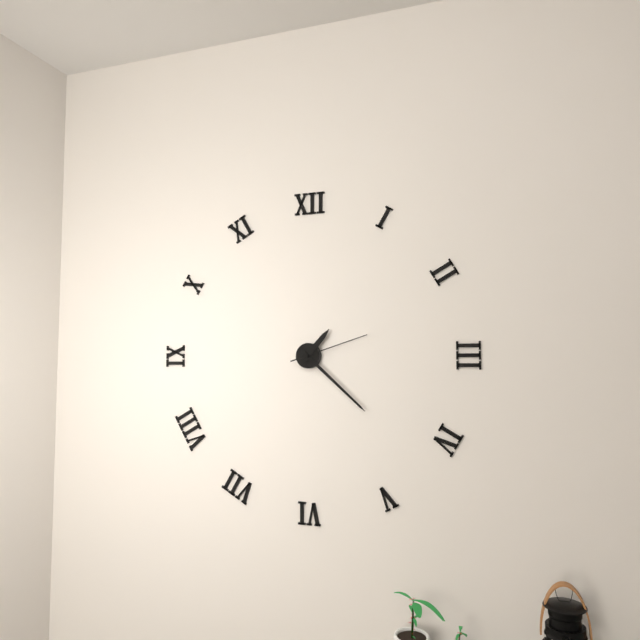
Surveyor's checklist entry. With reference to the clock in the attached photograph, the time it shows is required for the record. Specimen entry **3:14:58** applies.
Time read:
**1:22:12**
